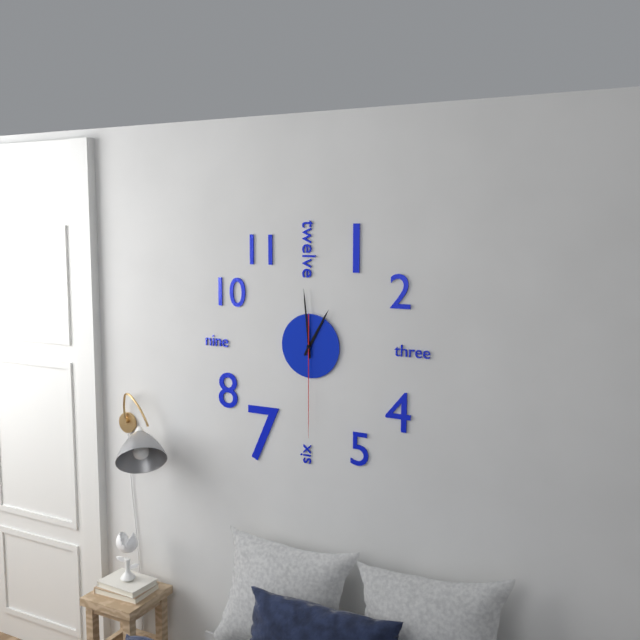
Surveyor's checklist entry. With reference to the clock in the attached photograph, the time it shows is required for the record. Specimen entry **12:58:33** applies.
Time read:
**12:59:30**
